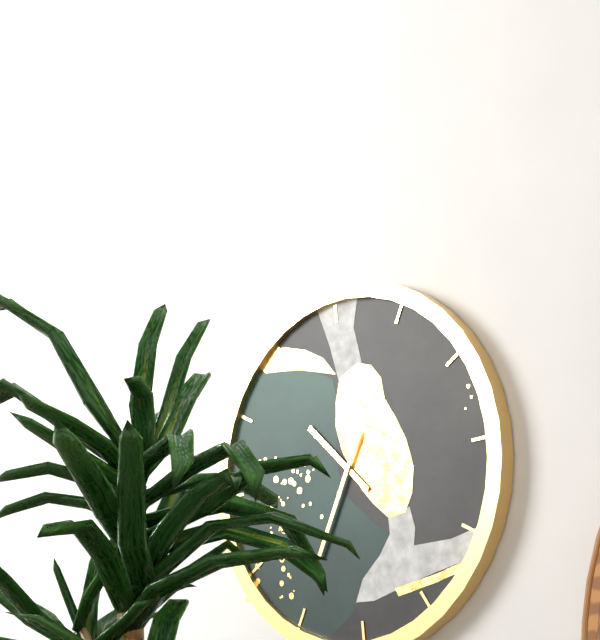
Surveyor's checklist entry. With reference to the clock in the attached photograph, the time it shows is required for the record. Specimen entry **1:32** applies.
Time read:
**10:35**
